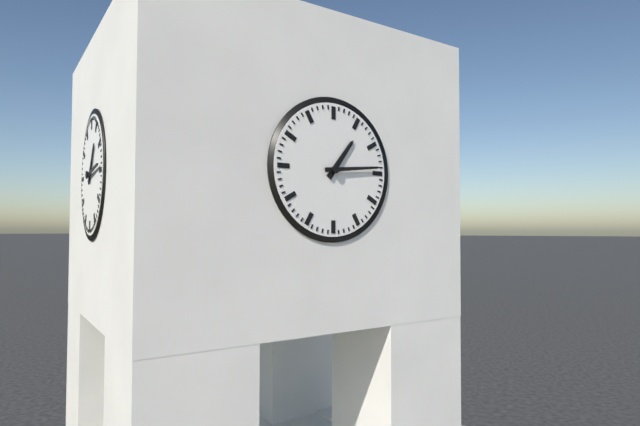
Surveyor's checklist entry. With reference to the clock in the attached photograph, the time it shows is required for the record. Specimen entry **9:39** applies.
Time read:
**1:14**
